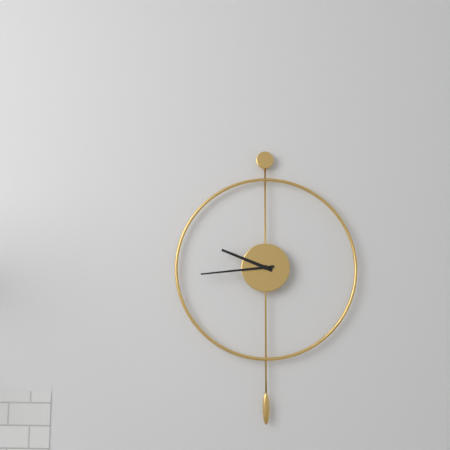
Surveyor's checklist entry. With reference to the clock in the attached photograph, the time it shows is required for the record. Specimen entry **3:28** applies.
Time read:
**9:44**
